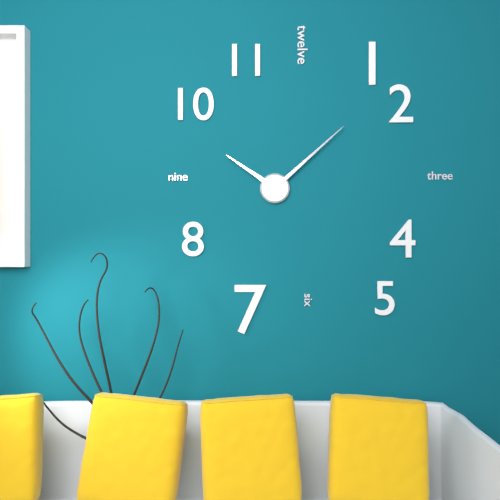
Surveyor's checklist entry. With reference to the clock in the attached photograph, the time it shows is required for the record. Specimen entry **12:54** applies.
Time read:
**10:08**
